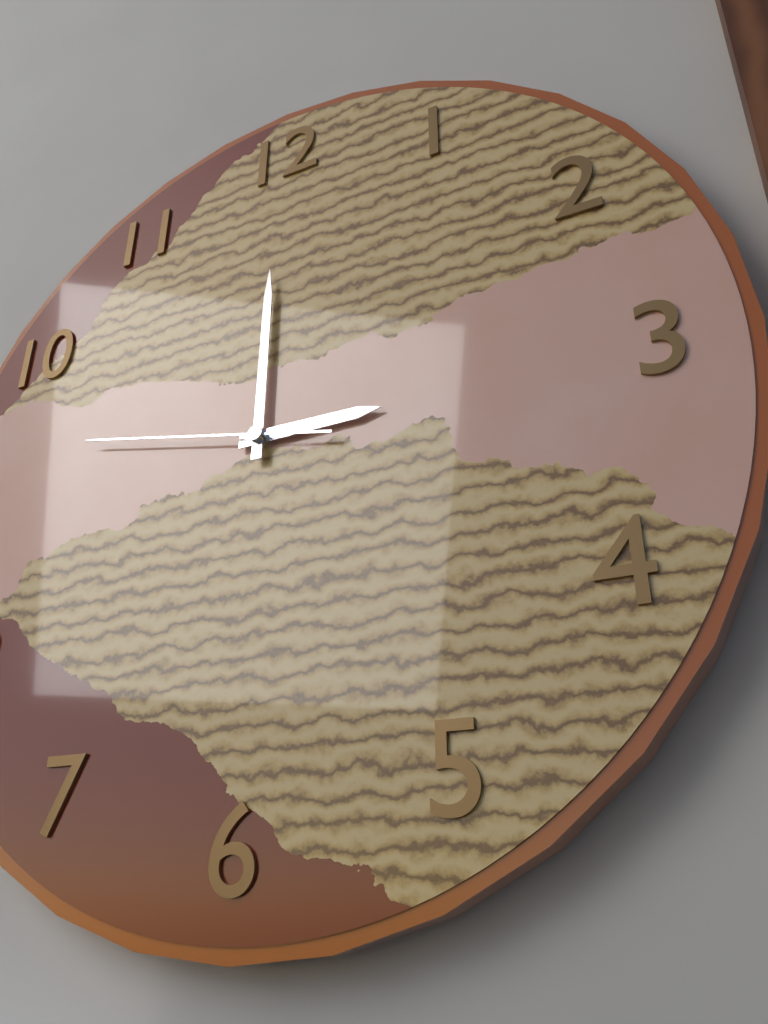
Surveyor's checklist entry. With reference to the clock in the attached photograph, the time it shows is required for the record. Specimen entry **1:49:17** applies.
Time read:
**3:00:47**
